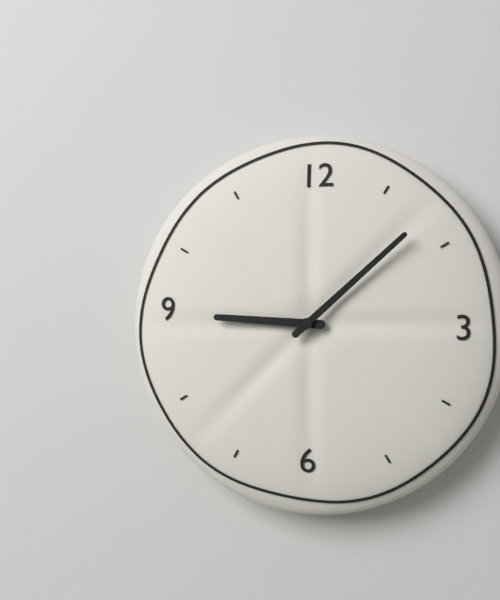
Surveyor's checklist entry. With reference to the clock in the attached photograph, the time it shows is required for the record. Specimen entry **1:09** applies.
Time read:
**9:08**
